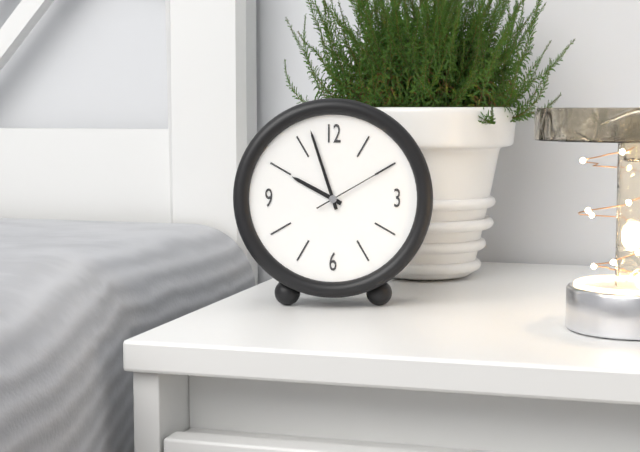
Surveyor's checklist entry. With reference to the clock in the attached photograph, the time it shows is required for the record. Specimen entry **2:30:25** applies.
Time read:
**9:57:10**
